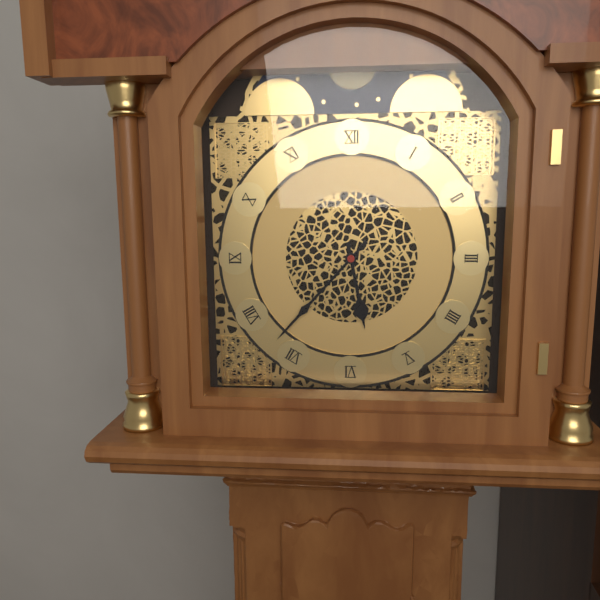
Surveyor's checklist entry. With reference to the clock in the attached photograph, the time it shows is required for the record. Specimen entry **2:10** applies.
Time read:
**5:37**
